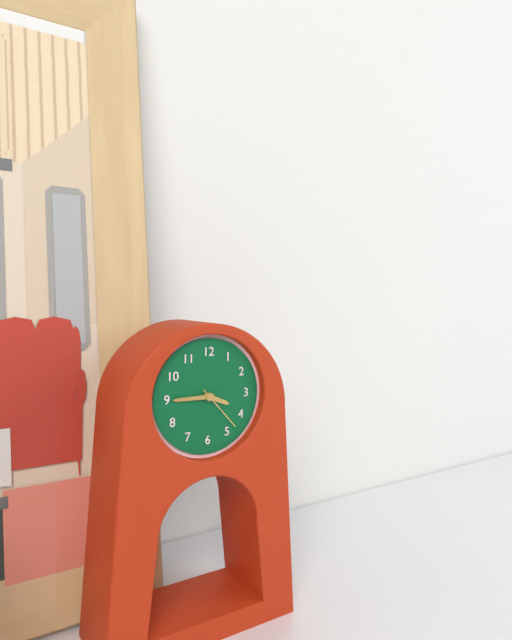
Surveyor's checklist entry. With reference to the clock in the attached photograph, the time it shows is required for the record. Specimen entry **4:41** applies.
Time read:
**3:45**
